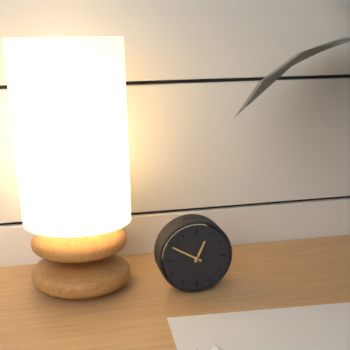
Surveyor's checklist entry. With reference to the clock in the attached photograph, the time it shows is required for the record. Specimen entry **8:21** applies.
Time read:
**12:50**
